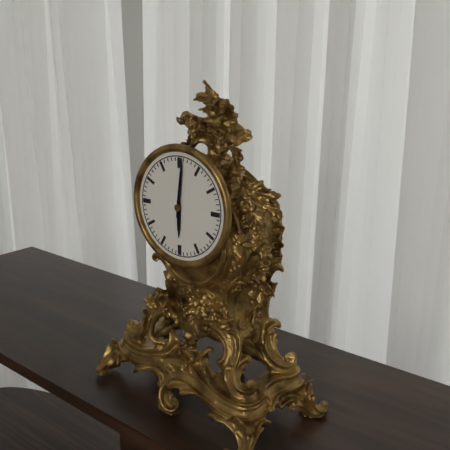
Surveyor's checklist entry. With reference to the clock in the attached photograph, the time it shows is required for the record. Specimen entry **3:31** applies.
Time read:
**6:01**
